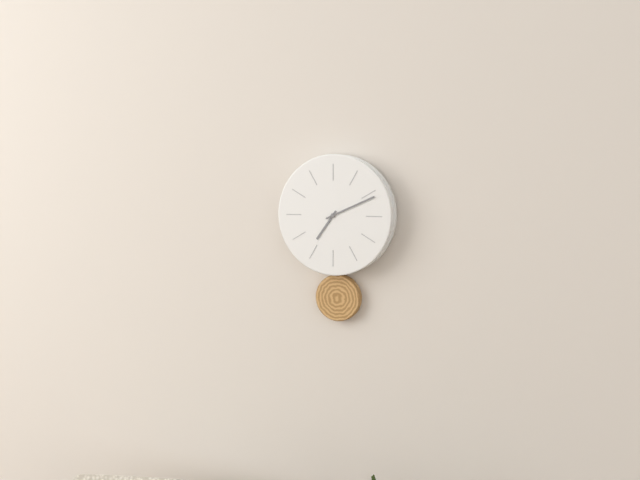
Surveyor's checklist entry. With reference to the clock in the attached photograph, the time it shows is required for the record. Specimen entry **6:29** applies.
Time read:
**7:11**
